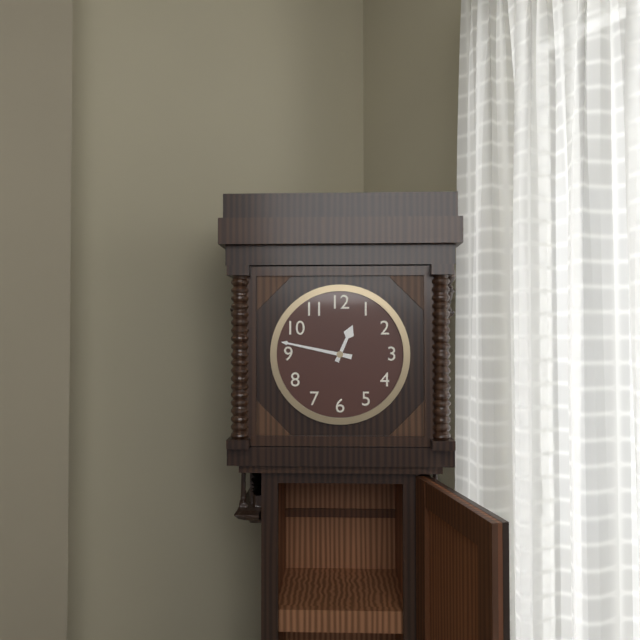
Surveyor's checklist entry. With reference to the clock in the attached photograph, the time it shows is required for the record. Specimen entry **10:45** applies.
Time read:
**12:47**
